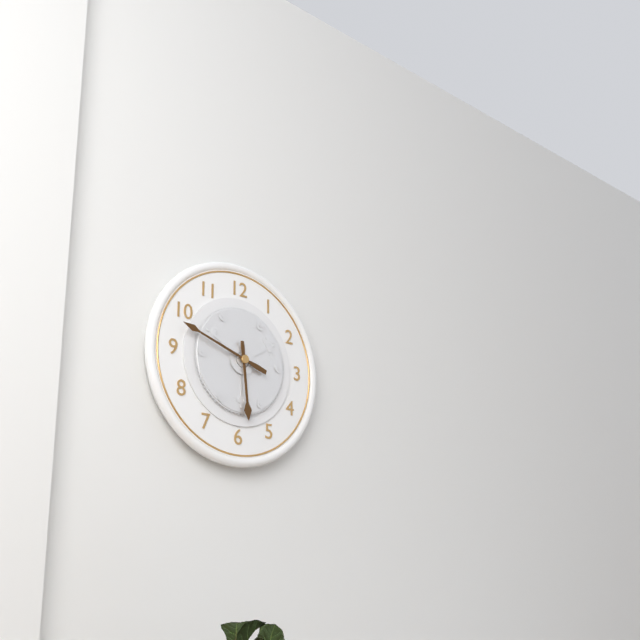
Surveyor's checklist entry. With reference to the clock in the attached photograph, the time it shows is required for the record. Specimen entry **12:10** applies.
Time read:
**5:48**
